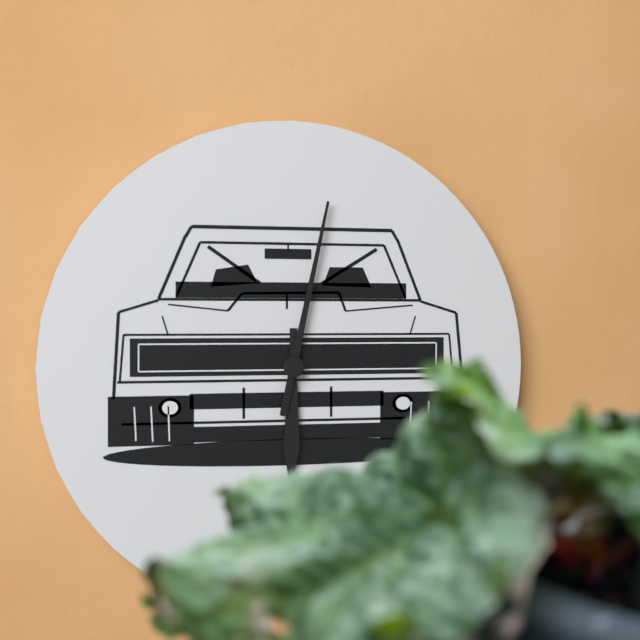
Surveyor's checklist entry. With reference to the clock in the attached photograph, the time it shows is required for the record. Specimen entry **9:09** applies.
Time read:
**6:02**
